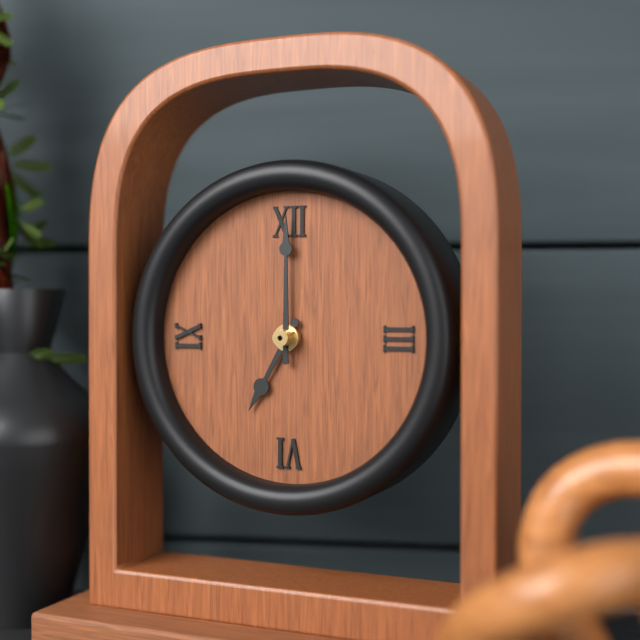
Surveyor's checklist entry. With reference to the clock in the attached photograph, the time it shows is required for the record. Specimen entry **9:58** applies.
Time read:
**7:00**
